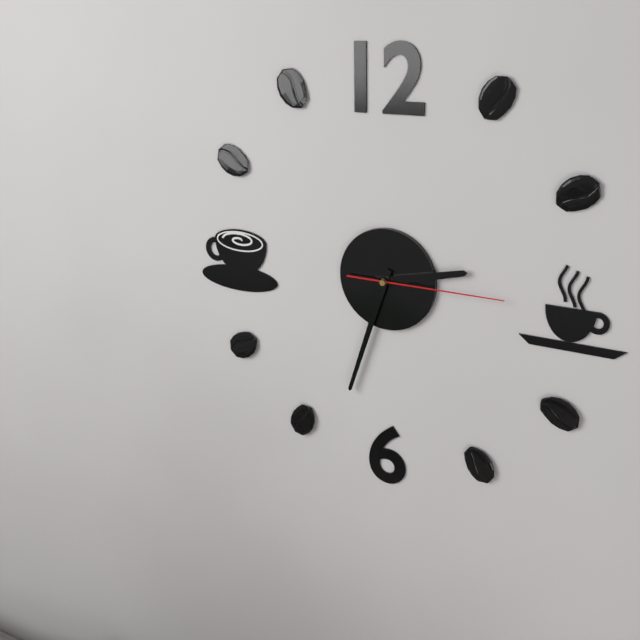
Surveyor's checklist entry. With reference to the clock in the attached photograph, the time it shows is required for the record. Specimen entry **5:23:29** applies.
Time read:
**2:33:15**
